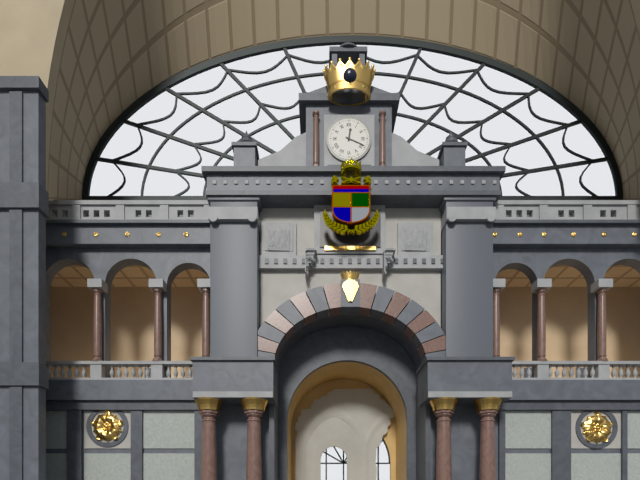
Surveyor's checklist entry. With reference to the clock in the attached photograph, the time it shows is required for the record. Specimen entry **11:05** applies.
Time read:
**12:19**
